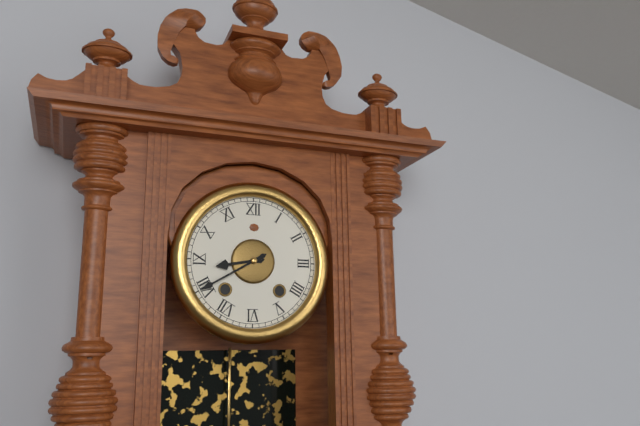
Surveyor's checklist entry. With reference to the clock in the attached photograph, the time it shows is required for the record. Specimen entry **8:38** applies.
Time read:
**8:40**
